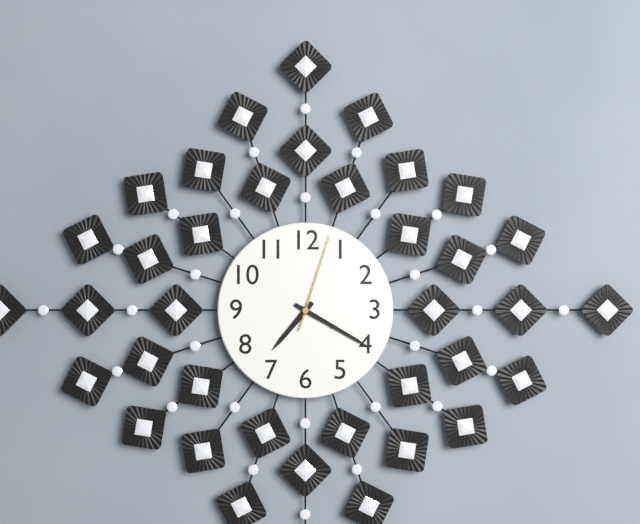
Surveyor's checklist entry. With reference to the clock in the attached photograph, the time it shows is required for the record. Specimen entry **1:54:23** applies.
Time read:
**7:20:03**
